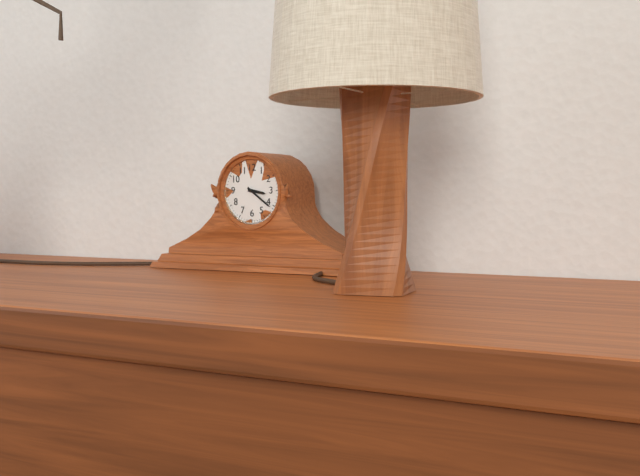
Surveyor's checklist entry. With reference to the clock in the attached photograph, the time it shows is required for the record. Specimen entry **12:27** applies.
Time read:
**3:21**
